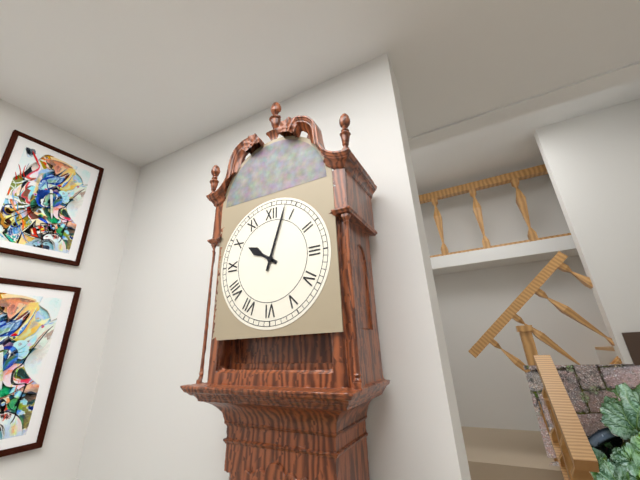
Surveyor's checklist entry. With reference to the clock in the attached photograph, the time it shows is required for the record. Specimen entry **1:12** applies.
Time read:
**10:03**
